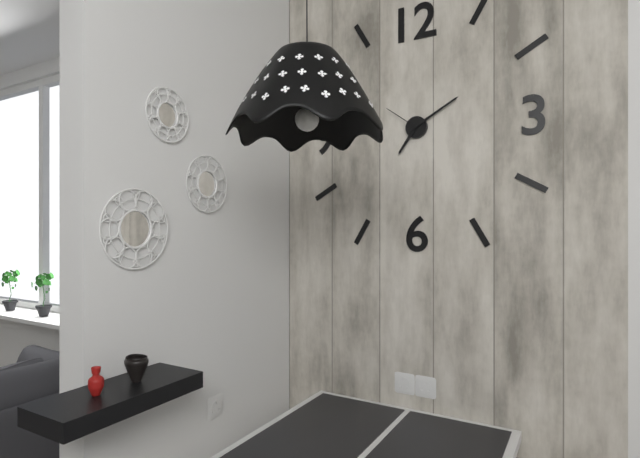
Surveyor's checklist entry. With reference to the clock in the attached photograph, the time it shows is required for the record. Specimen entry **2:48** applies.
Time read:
**7:10**
